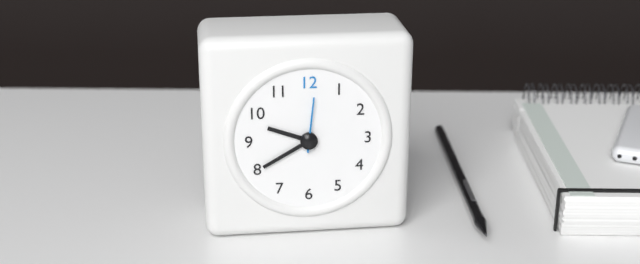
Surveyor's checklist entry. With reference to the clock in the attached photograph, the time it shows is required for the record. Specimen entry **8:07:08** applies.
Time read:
**9:40:01**
